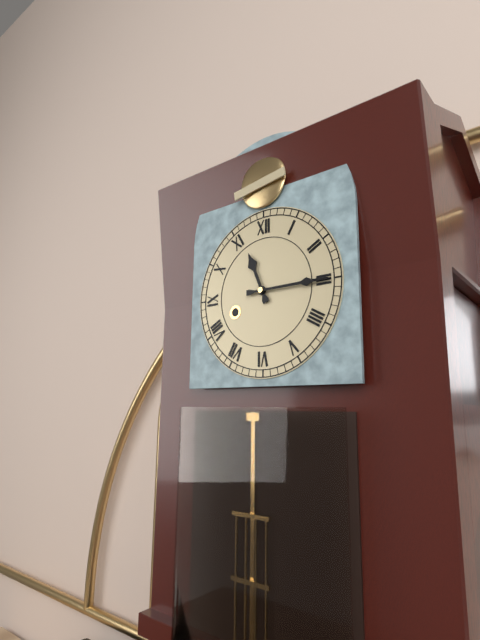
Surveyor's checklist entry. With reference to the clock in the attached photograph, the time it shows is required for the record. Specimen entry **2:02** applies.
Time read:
**11:15**
